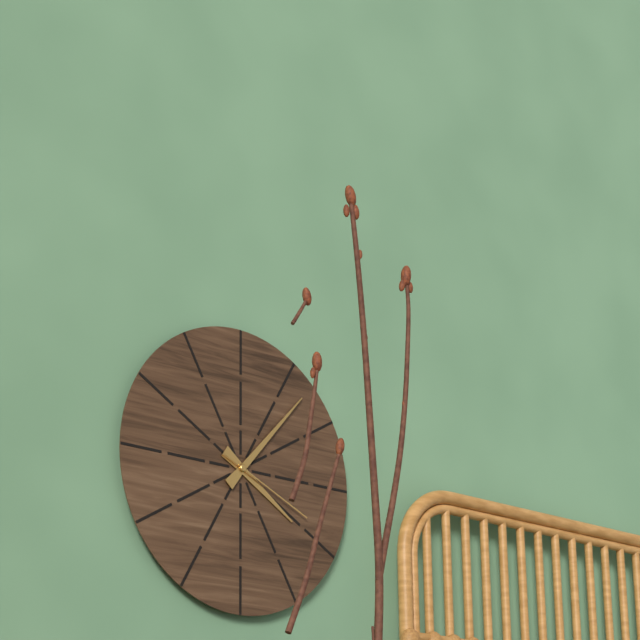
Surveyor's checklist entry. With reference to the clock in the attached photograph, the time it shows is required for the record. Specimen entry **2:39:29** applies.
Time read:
**4:07:19**
